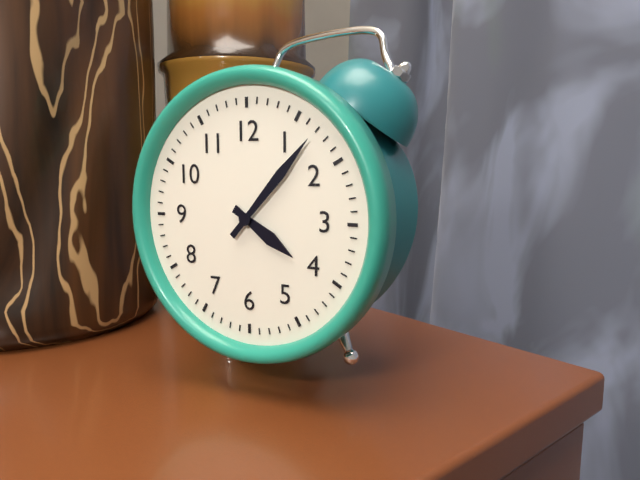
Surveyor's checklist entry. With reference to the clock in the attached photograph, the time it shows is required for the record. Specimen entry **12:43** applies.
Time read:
**4:07**
